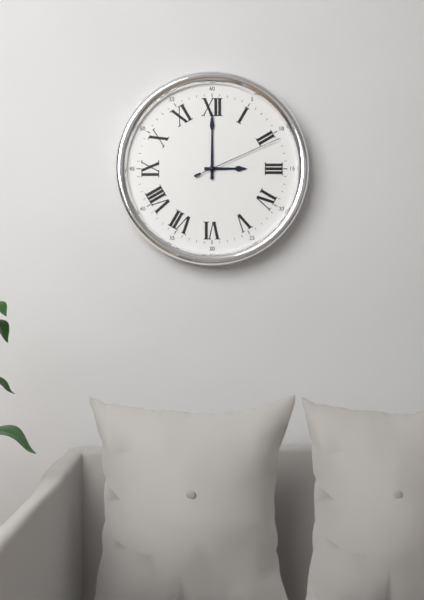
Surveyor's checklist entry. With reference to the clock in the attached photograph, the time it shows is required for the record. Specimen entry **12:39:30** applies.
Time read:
**3:00:11**
